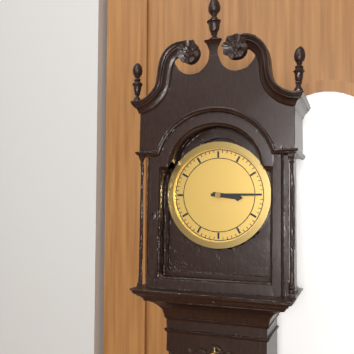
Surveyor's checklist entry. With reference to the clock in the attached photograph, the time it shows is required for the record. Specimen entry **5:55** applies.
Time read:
**3:15**
